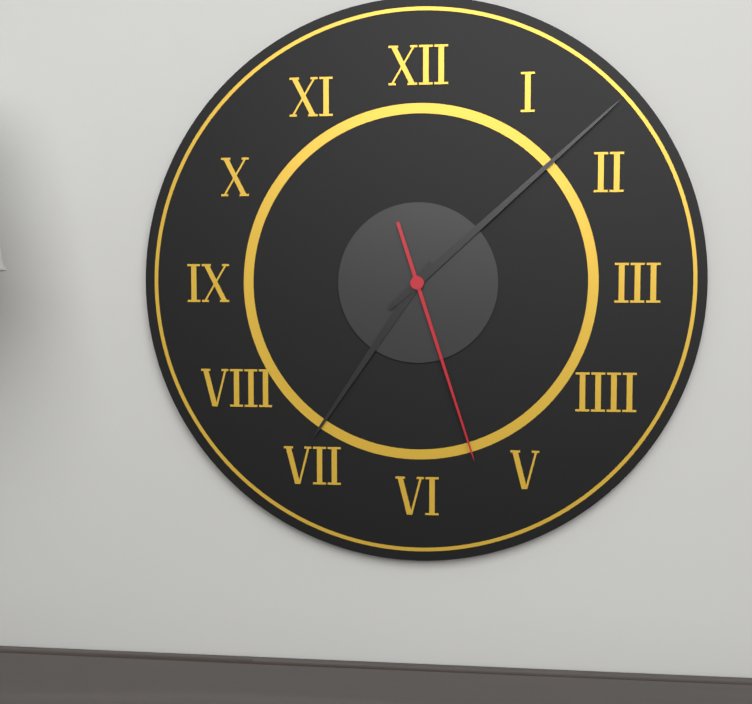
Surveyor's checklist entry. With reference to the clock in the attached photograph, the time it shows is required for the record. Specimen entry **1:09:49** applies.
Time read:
**7:08:27**
